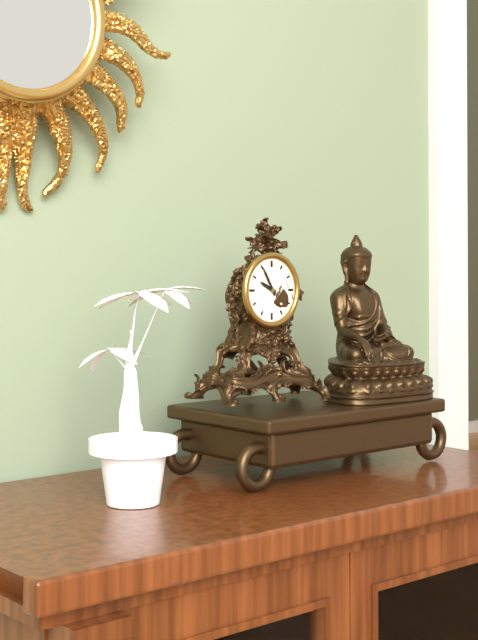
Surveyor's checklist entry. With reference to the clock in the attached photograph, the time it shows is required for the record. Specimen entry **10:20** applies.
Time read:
**9:55**
